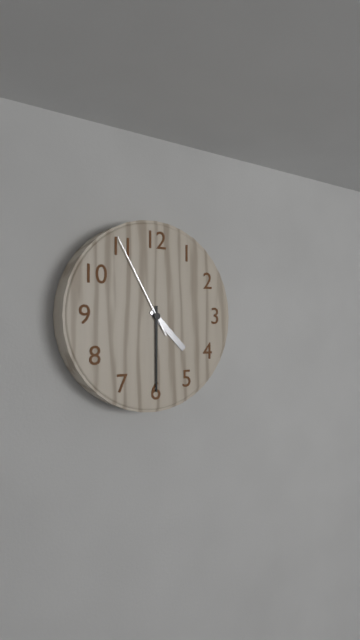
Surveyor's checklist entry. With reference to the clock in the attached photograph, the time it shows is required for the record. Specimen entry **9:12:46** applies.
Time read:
**4:30:55**
